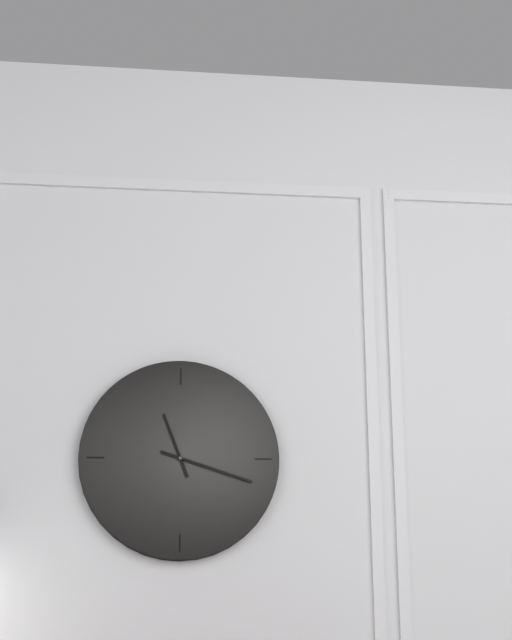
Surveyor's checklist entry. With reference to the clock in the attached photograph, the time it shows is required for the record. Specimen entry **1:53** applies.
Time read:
**11:18**
